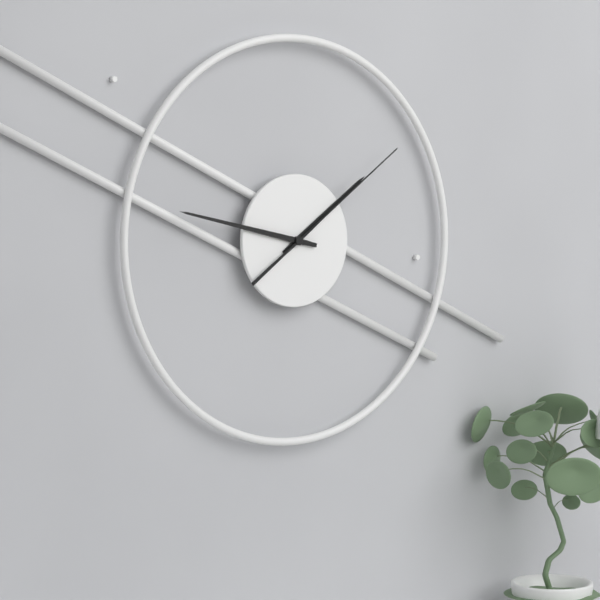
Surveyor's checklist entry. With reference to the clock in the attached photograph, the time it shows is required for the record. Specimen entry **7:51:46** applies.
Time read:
**1:47:09**
